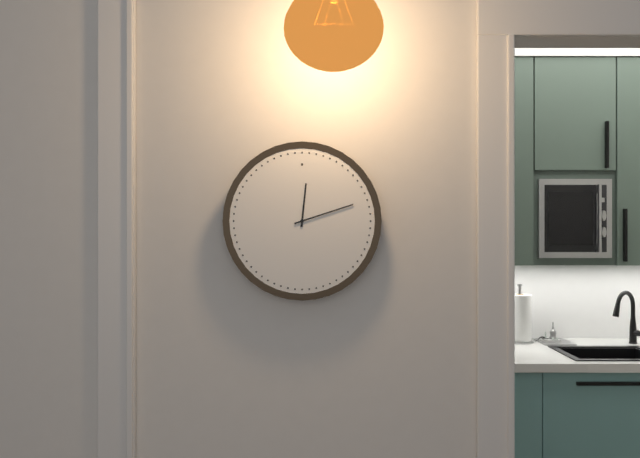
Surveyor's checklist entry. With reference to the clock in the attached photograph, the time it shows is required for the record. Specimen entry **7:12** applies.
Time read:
**12:12**
